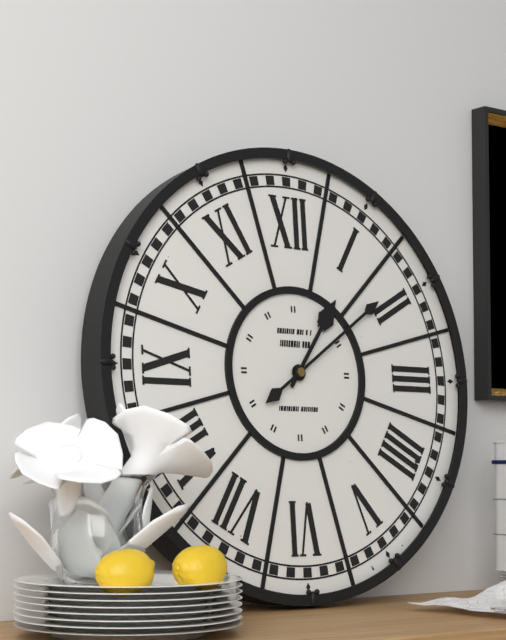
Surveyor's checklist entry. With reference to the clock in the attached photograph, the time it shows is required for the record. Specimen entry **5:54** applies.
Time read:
**1:09**
